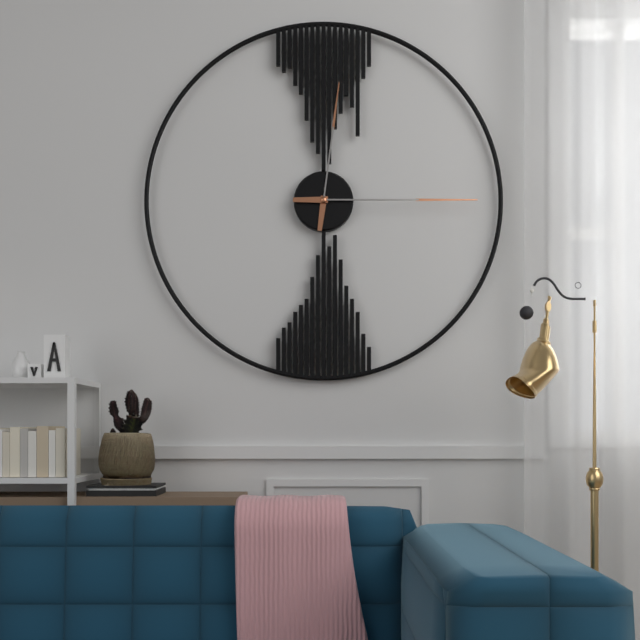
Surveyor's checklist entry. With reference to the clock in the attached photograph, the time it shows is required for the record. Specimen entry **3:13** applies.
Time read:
**12:15**
